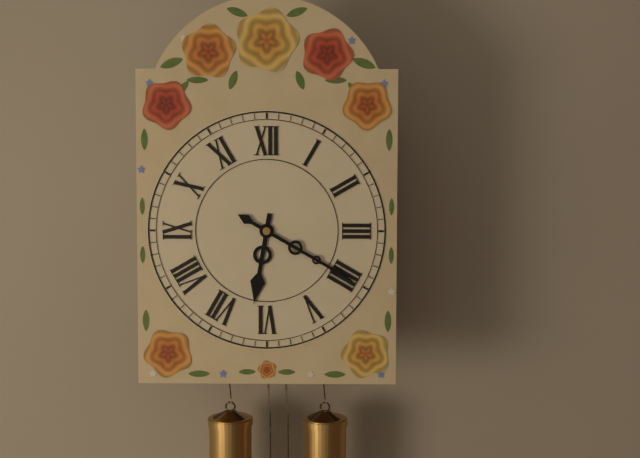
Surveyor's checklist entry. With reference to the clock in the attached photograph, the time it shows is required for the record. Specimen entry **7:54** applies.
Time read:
**6:20**
